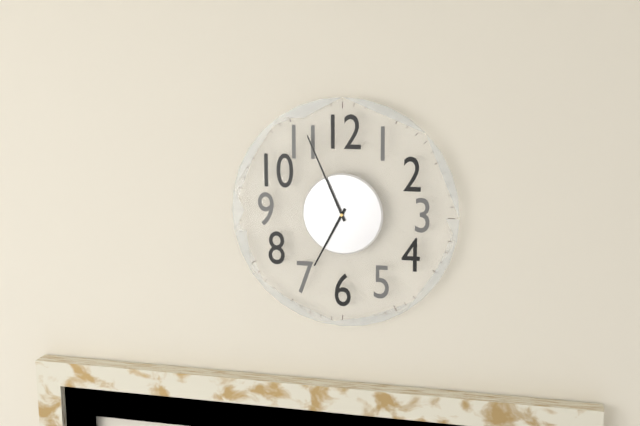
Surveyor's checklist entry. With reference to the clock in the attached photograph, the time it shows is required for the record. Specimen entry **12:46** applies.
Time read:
**6:56**
